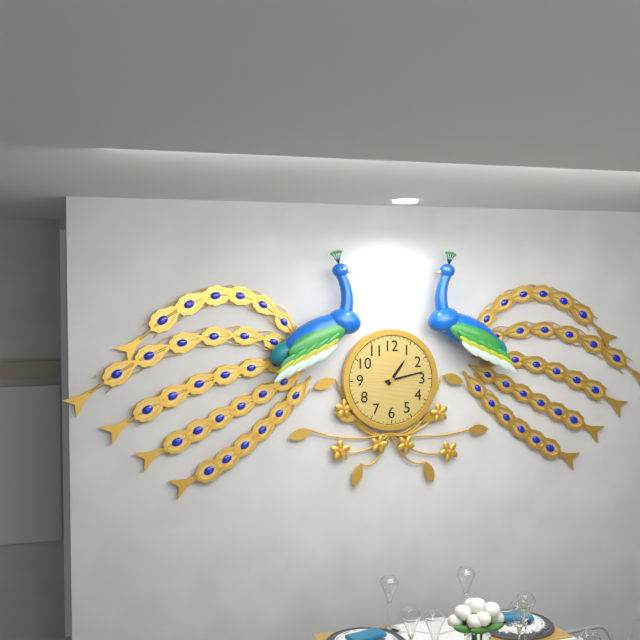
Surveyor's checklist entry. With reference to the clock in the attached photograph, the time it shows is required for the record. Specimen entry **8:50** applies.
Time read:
**1:13**
